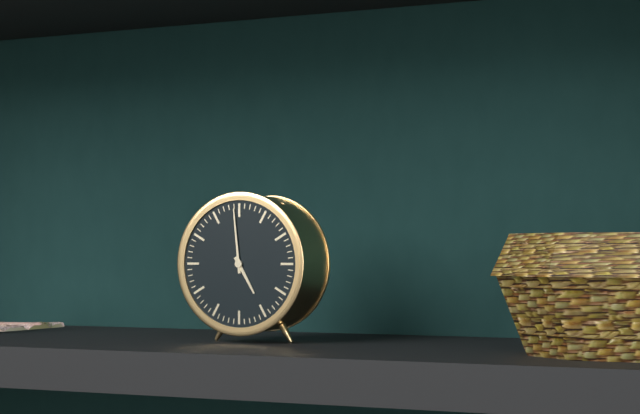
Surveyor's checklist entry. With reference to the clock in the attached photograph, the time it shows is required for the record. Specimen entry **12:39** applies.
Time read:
**4:59**
